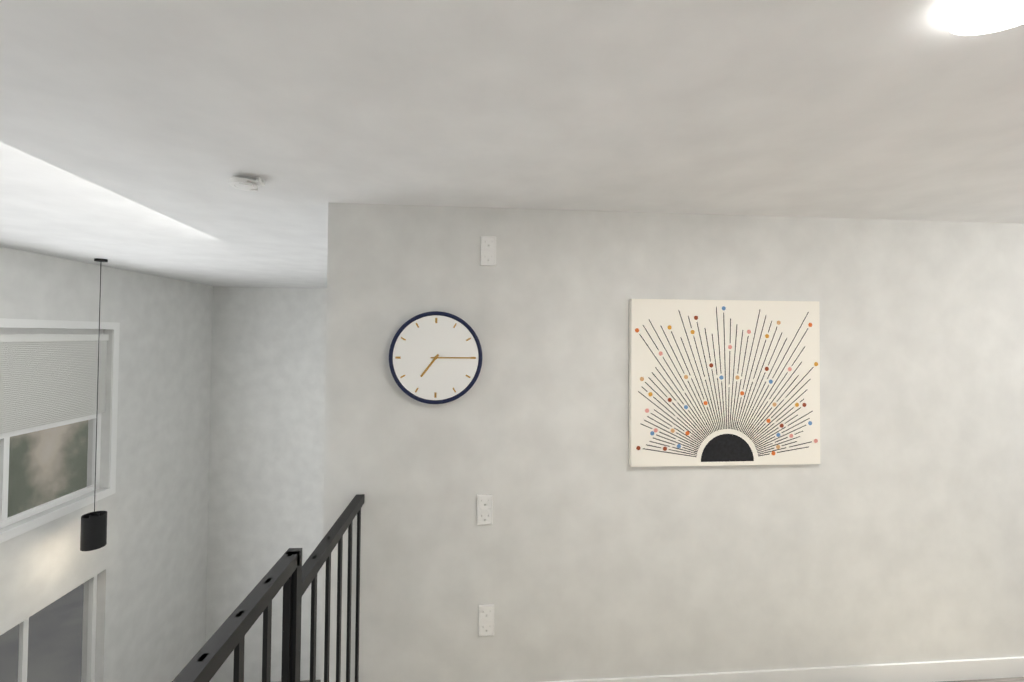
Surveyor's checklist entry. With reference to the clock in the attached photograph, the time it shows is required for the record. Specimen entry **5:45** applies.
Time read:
**7:15**
